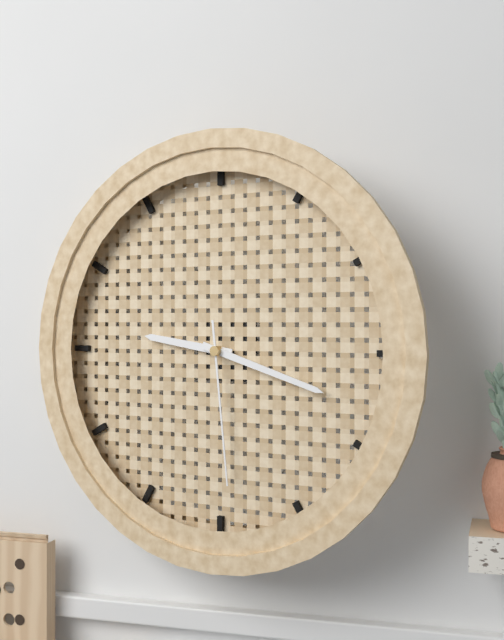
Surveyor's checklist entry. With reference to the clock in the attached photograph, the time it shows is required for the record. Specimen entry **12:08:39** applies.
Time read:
**9:18:29**
